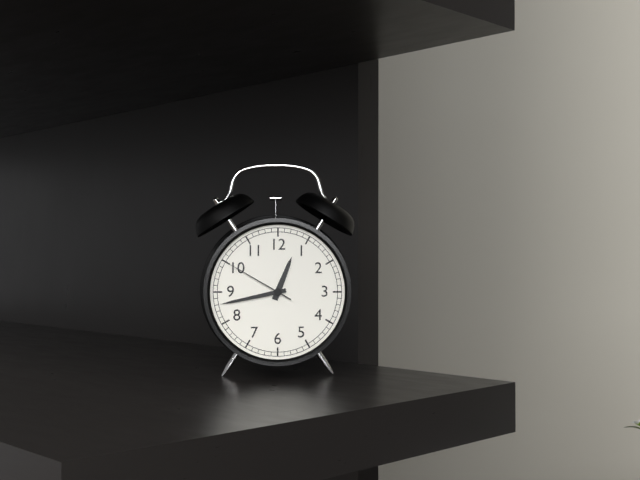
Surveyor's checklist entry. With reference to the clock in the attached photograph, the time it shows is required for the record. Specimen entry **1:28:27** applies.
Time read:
**12:43:50**
